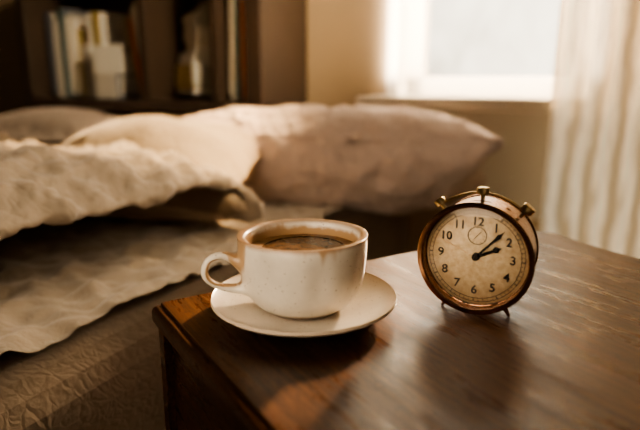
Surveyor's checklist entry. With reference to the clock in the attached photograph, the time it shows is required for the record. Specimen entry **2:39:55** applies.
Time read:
**2:07:49**
